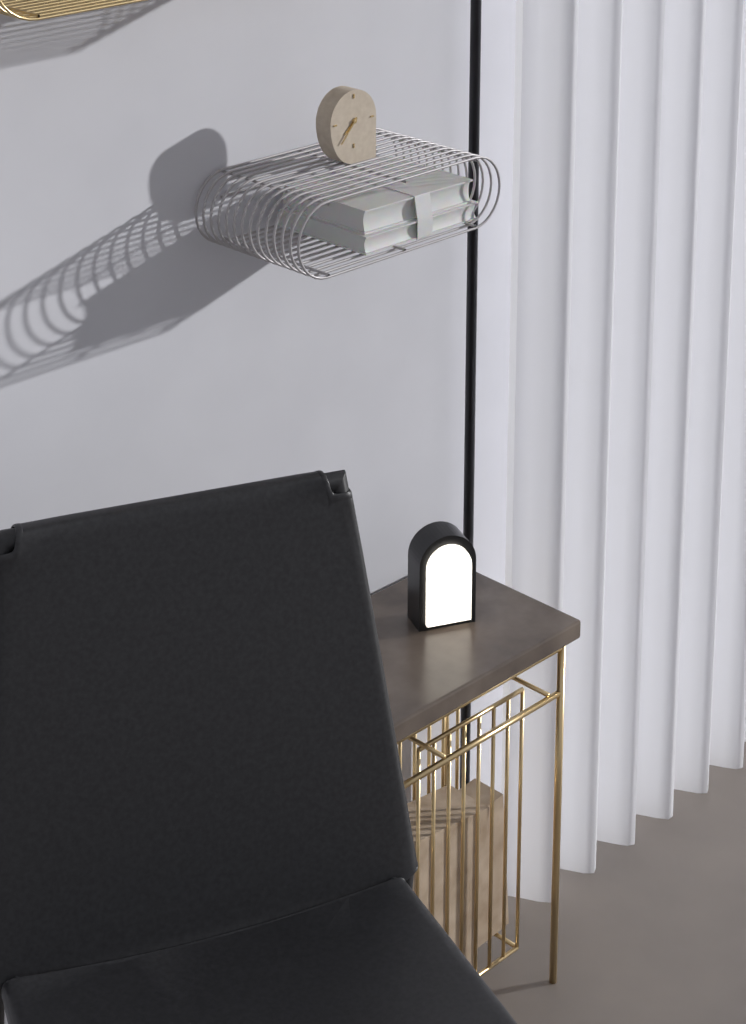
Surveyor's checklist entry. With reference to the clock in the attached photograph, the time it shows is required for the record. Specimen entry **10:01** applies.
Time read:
**7:37**
